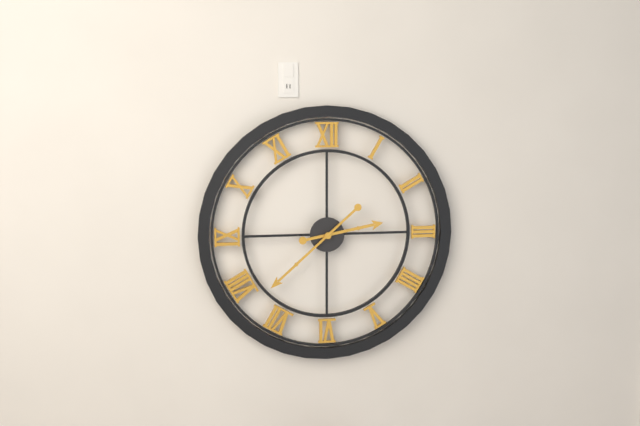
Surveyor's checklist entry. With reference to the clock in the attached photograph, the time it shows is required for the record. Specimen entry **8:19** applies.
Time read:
**2:38**
